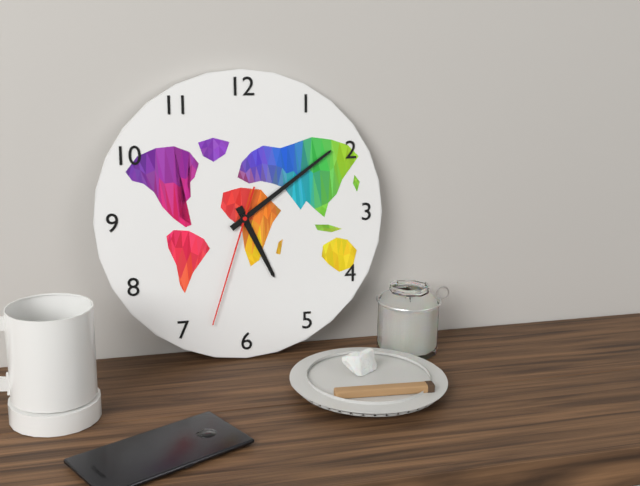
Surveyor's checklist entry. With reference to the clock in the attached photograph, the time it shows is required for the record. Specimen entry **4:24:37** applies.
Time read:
**5:09:33**
